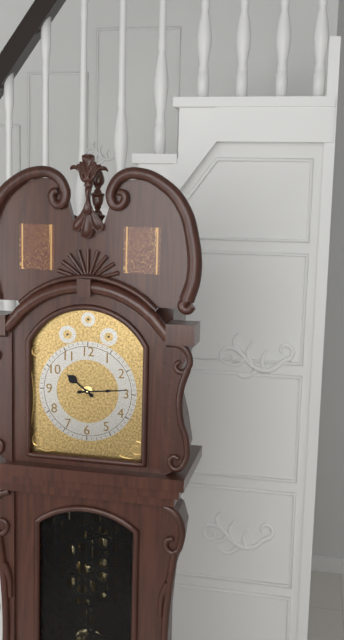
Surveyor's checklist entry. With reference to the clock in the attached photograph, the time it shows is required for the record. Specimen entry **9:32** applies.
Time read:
**10:14**
